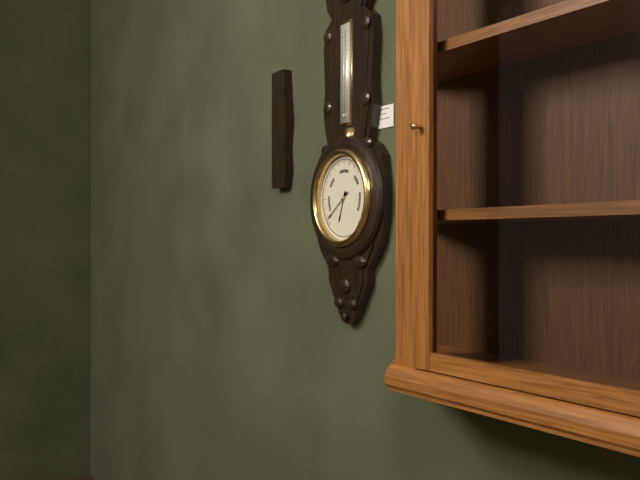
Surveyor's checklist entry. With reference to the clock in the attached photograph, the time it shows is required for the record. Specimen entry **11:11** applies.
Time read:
**6:39**
